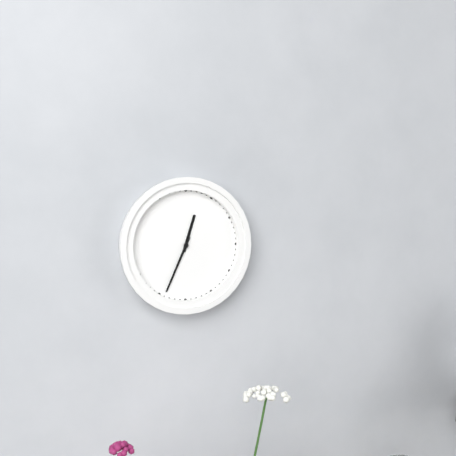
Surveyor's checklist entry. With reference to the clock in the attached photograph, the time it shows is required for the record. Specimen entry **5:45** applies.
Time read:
**12:34**
